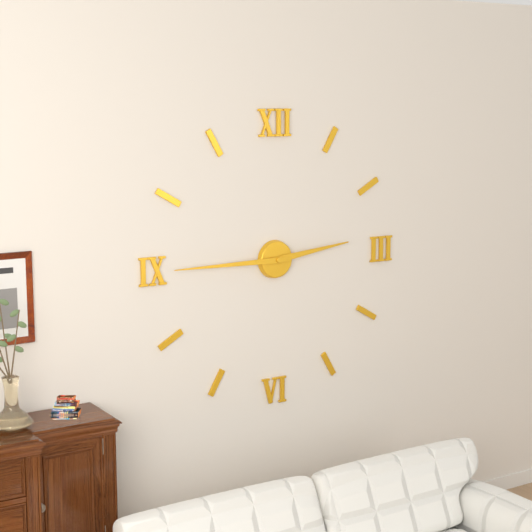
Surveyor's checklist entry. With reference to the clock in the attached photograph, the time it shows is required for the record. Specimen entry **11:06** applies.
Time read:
**2:45**
